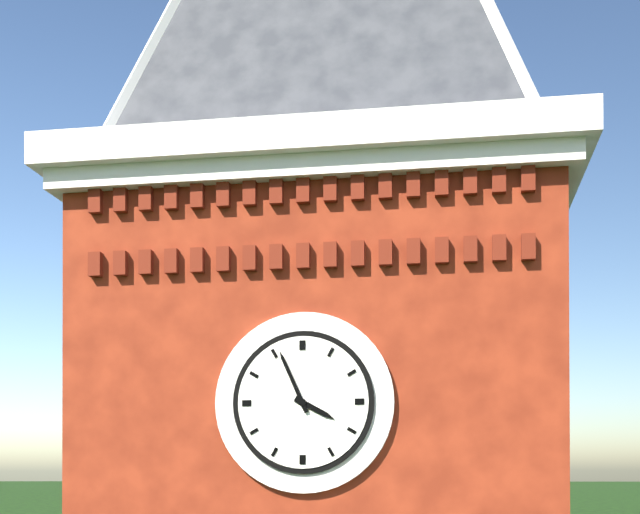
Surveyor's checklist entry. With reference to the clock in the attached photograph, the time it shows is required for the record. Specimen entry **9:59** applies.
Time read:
**3:56**
